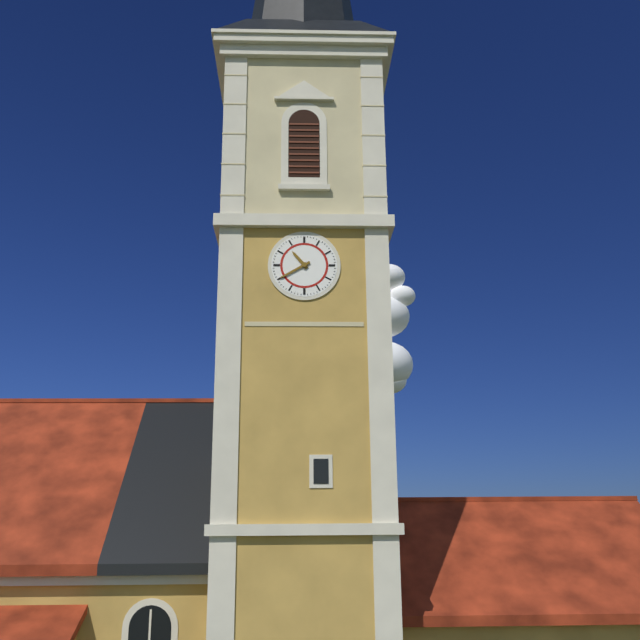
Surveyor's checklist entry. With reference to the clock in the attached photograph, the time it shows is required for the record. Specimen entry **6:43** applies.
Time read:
**10:40**
